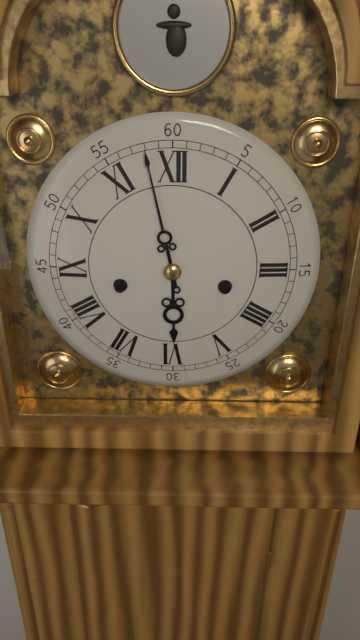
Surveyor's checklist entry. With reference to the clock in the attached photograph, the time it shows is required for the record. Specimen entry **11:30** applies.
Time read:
**5:58**
